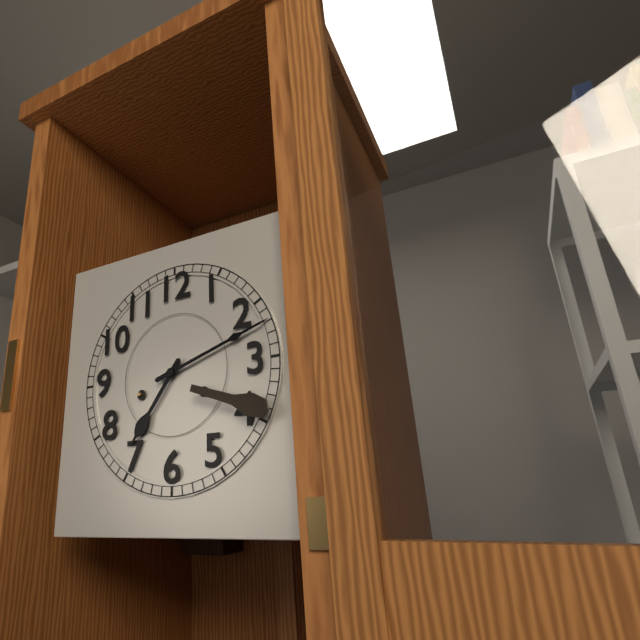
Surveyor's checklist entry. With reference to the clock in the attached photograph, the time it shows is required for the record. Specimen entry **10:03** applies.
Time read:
**7:12**
